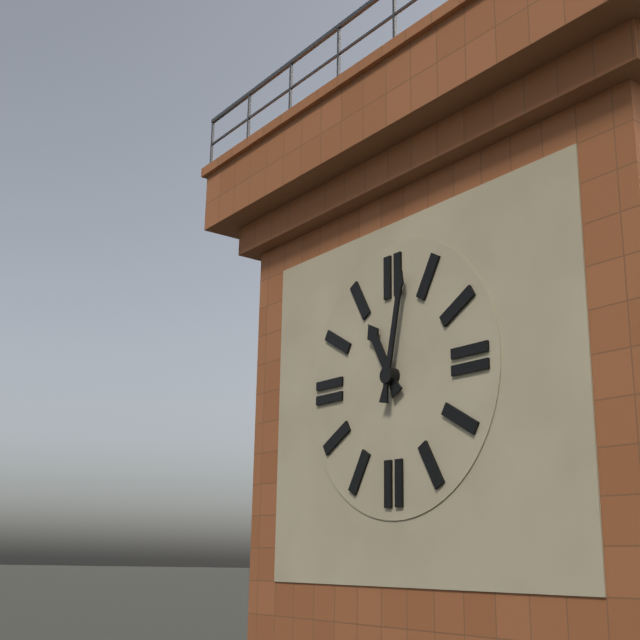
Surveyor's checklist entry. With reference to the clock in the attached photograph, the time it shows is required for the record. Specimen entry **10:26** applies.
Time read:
**11:02**
